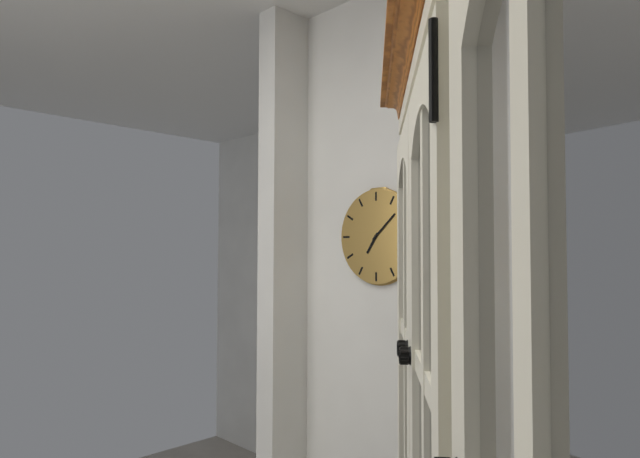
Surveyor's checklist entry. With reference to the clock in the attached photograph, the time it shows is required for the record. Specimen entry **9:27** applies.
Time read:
**7:08**
